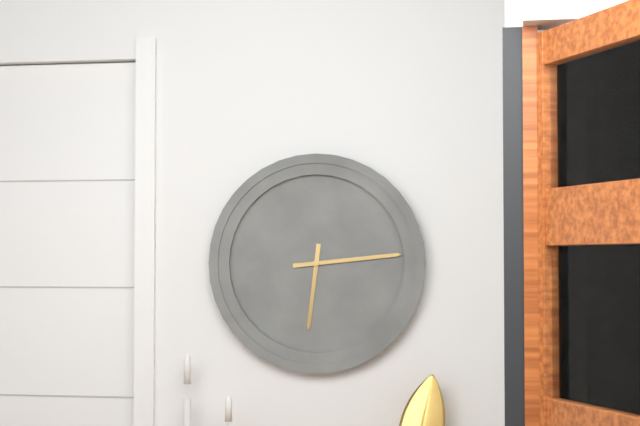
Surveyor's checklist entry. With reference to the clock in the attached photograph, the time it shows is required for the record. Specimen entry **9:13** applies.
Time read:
**6:14**
